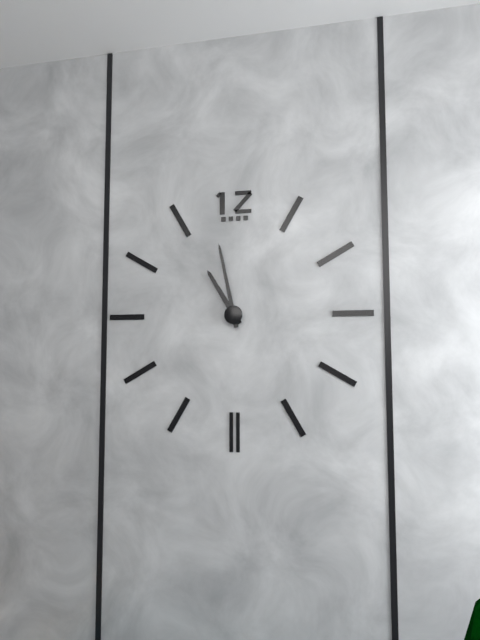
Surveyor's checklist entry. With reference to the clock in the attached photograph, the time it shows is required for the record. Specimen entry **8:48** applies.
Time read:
**10:58**
